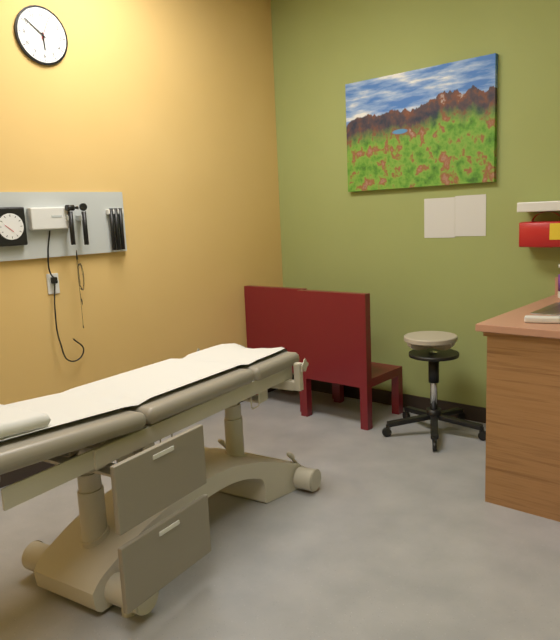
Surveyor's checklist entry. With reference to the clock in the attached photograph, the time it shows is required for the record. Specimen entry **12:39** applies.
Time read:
**5:51**
